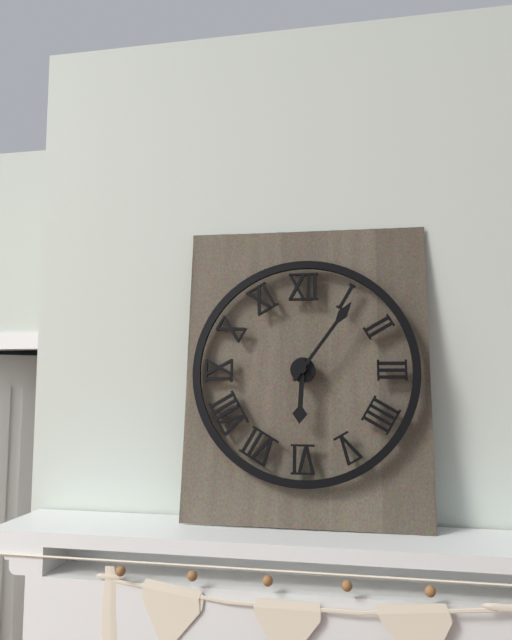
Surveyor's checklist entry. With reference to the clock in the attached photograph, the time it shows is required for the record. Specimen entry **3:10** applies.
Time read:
**6:06**
